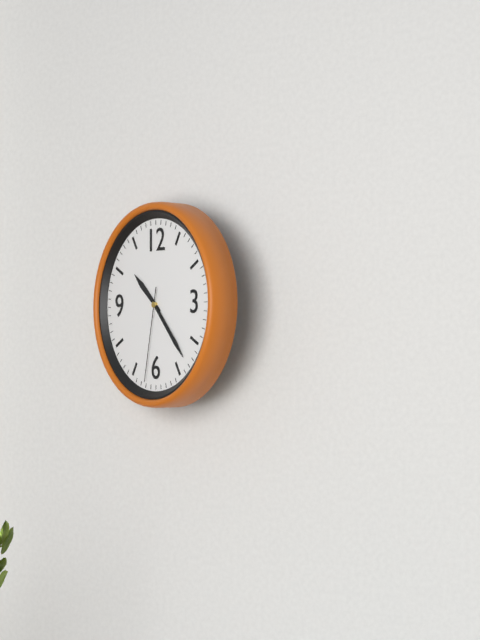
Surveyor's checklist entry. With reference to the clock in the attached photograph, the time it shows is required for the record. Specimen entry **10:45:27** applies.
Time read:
**10:23:32**
